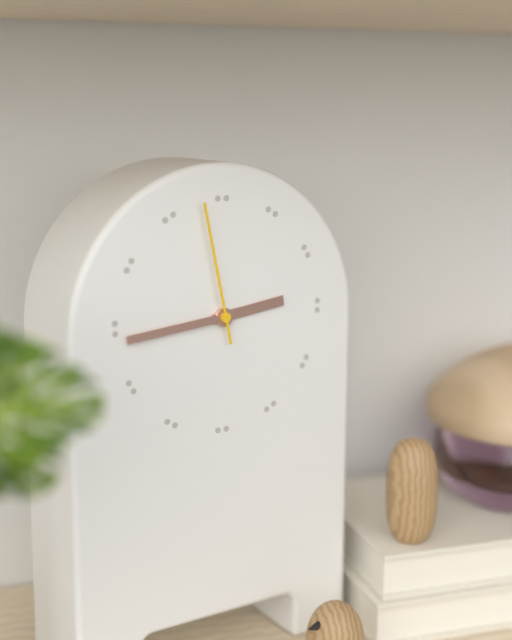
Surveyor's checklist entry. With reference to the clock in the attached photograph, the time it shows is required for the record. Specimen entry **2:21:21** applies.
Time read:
**2:44:58**
